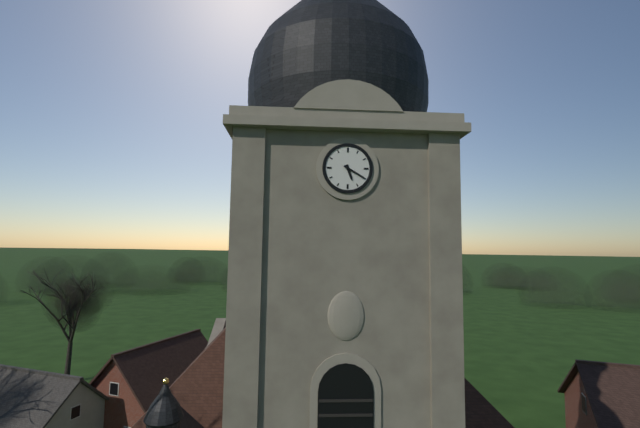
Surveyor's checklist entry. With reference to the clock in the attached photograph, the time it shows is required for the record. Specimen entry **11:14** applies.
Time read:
**5:20**
